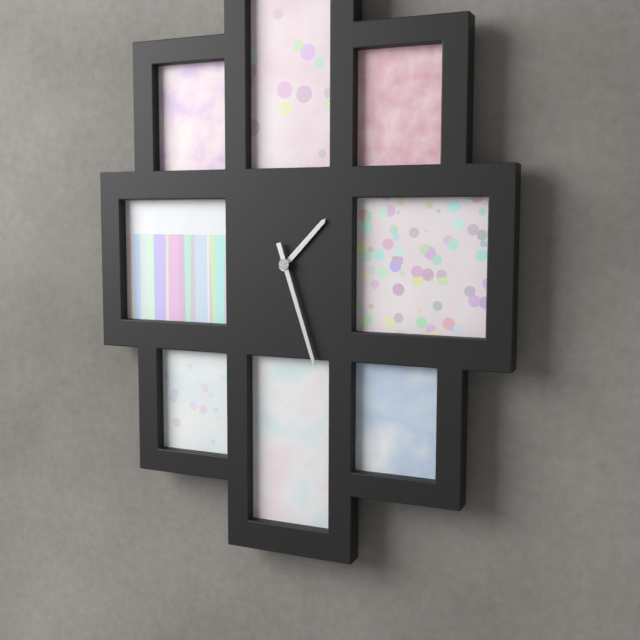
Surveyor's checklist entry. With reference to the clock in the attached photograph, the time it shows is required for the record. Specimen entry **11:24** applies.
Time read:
**1:27**
